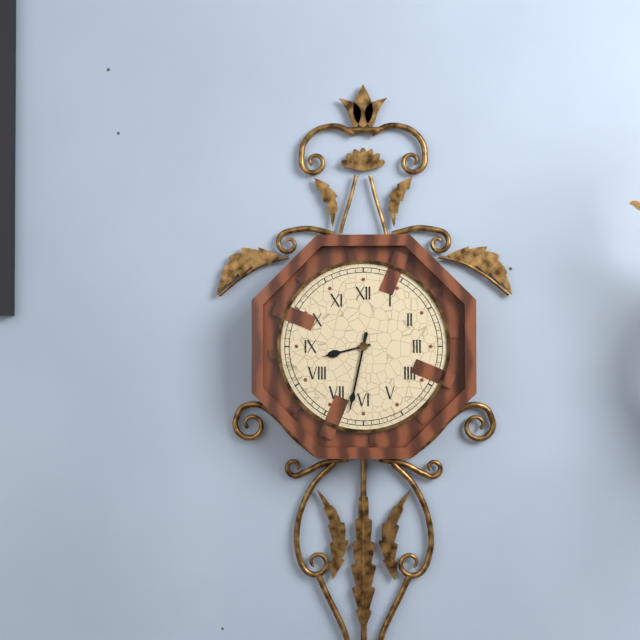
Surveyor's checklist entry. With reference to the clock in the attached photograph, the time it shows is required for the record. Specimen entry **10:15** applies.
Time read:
**8:32**
